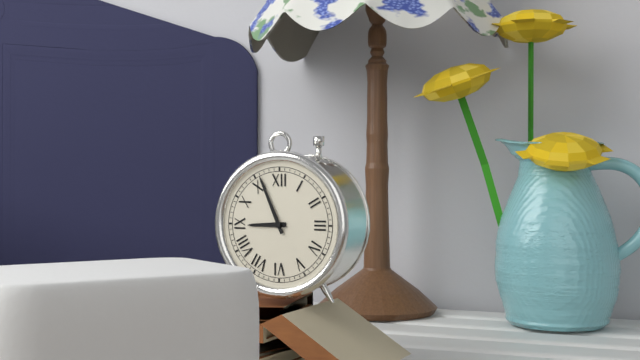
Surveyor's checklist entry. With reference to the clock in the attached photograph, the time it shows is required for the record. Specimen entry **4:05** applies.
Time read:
**8:56**
